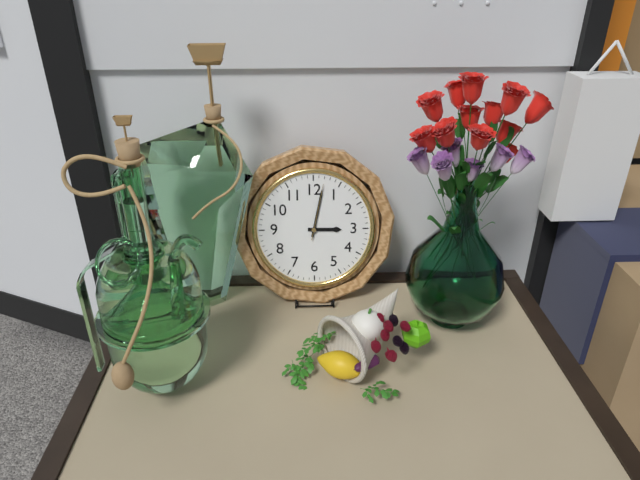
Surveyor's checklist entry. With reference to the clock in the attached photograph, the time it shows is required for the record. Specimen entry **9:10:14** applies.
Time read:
**3:02:02**
